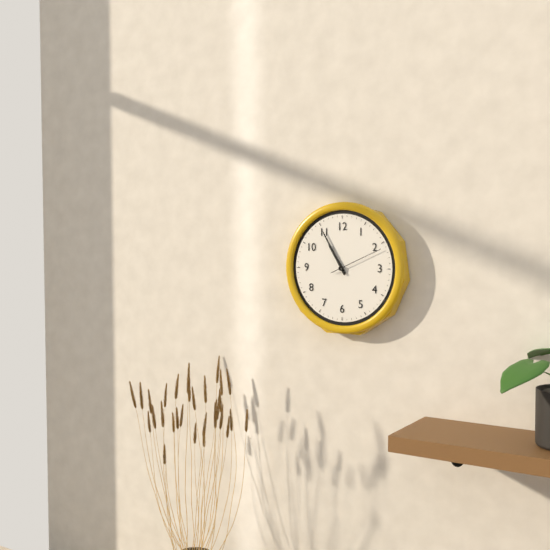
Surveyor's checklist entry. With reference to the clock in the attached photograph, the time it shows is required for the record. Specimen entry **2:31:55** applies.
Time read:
**10:55:11**
